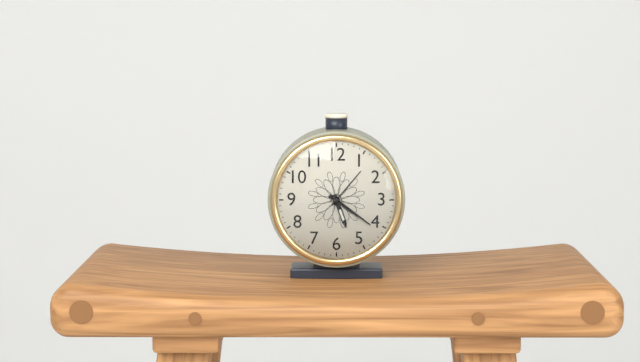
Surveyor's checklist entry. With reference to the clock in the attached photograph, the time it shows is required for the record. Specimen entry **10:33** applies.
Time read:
**5:21**
